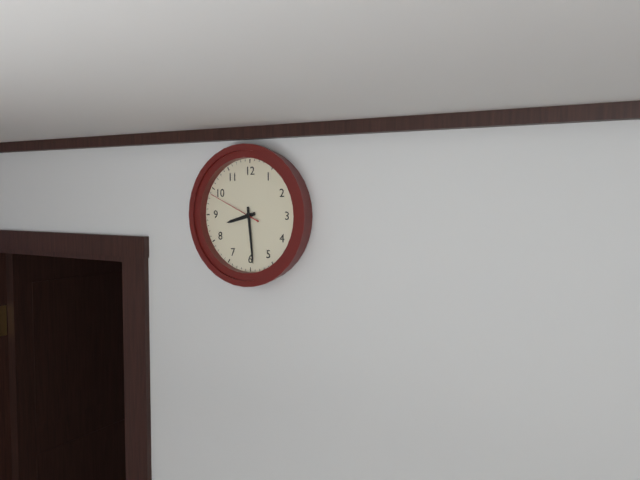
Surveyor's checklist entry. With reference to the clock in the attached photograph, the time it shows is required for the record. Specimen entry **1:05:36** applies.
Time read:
**8:29:49**
